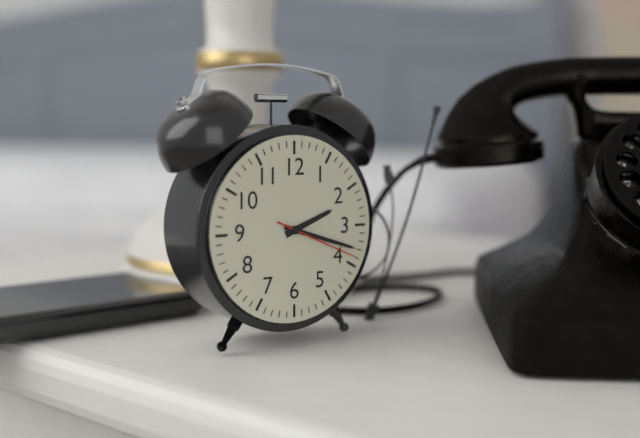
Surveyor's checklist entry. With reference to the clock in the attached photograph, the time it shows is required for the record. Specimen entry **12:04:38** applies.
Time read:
**2:18:19**
